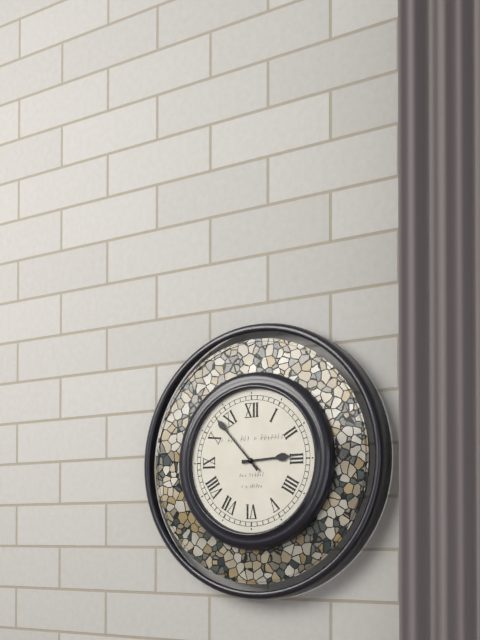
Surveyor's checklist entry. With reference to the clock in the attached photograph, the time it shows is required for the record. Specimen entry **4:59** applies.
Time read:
**2:53**
